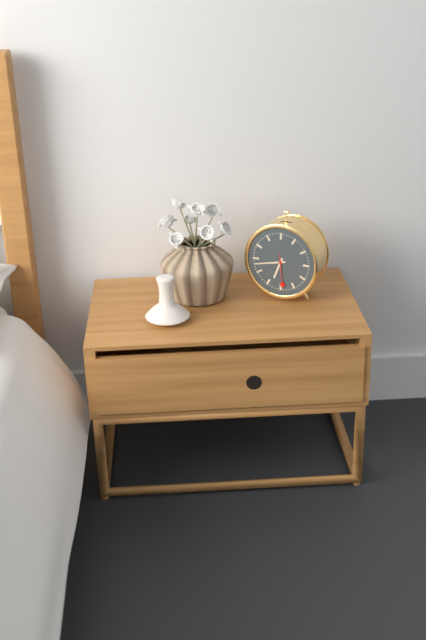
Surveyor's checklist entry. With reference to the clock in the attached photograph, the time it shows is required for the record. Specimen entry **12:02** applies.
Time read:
**6:43**
